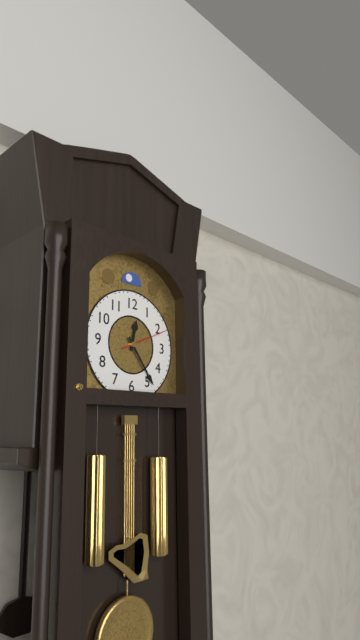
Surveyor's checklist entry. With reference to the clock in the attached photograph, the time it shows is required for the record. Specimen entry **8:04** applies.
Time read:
**12:24**
